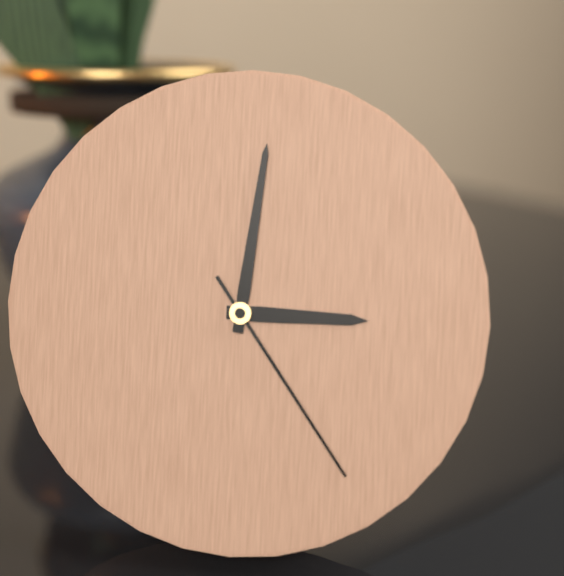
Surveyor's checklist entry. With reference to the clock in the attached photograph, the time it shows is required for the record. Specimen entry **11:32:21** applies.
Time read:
**3:01:24**
